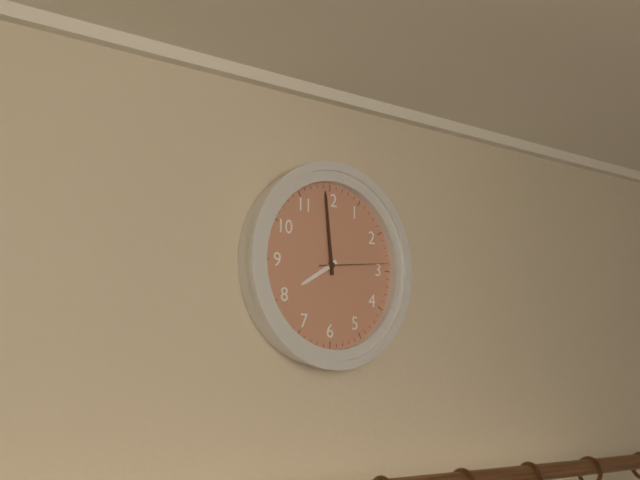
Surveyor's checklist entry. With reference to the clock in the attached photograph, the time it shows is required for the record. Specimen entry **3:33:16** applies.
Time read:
**7:59:14**
